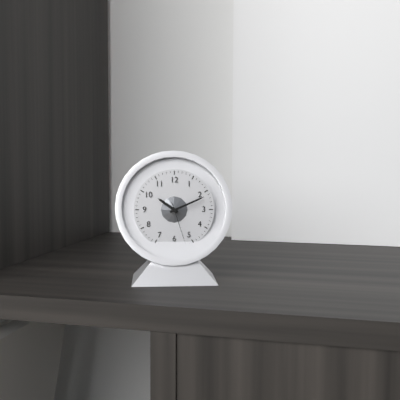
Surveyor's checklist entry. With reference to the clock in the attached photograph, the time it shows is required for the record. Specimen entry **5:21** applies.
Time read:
**10:11**
